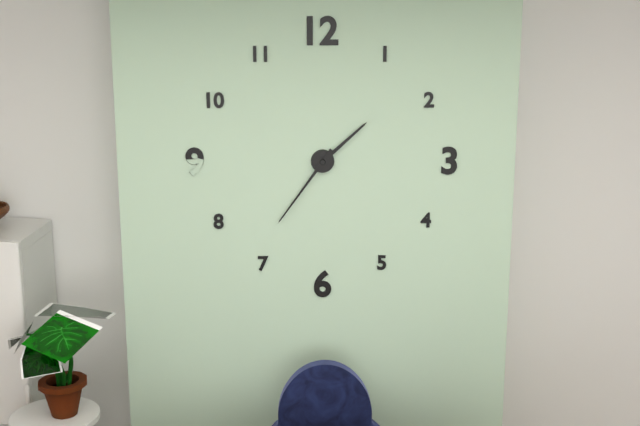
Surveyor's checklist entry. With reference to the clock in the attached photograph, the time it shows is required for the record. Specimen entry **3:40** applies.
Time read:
**1:36**
